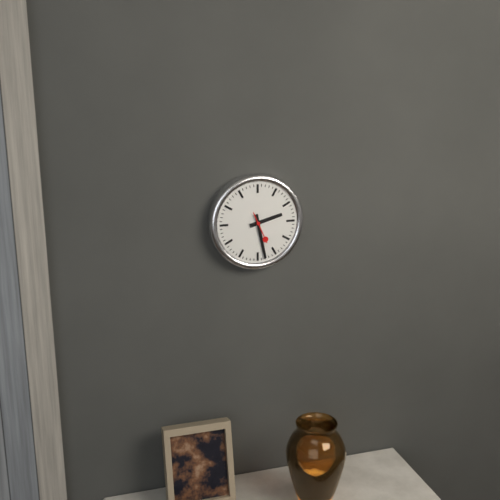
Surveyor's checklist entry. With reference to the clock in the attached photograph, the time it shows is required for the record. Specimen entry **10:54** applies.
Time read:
**2:28**
